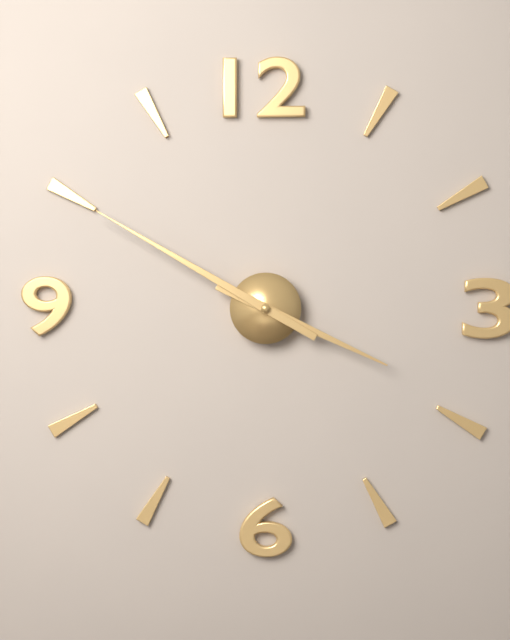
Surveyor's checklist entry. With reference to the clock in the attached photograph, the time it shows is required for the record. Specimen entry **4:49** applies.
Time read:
**3:50**
